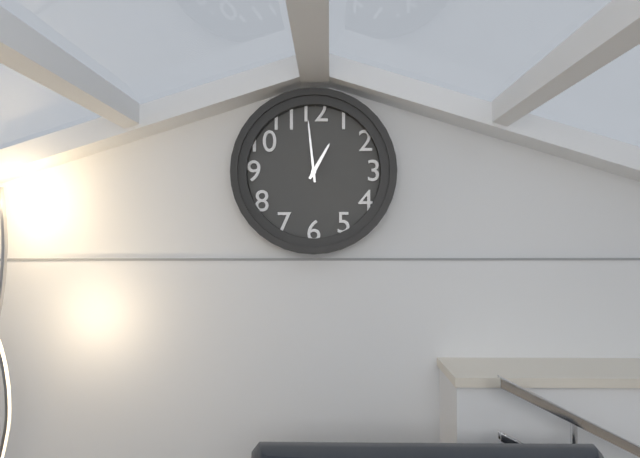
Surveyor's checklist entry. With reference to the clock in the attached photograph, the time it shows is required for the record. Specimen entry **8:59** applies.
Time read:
**12:59**
